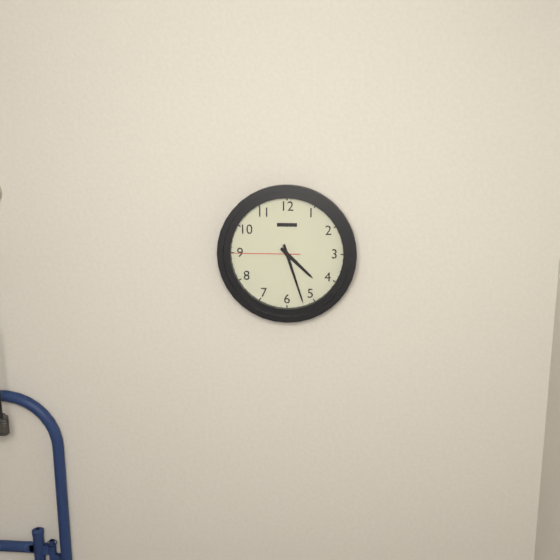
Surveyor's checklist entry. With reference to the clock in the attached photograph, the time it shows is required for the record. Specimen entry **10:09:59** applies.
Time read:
**4:27:45**
